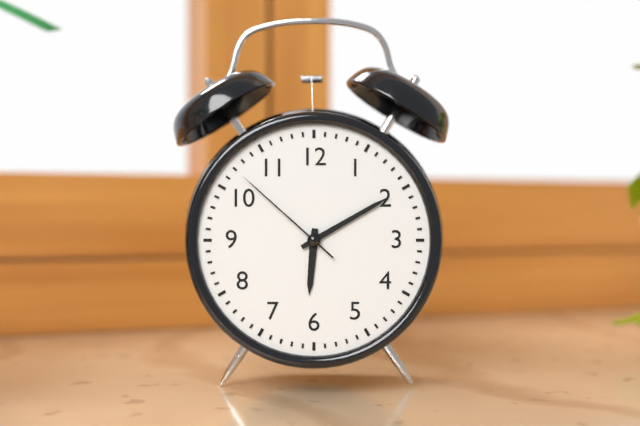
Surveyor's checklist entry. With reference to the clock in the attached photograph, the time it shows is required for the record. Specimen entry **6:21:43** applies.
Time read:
**6:10:52**
